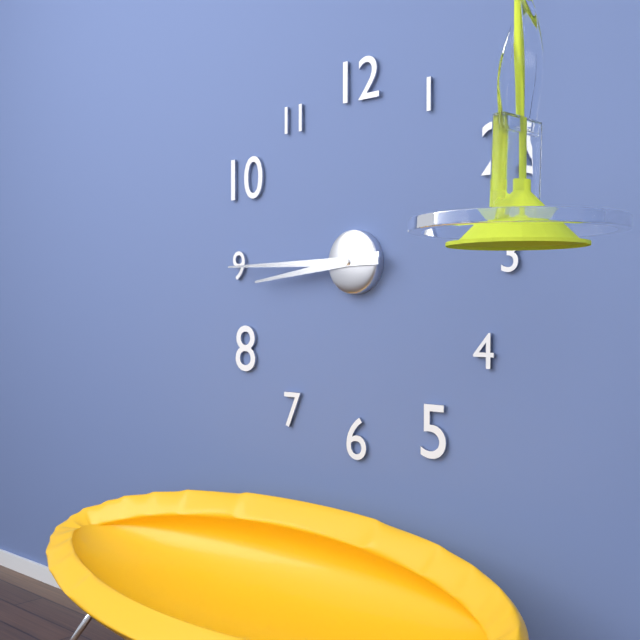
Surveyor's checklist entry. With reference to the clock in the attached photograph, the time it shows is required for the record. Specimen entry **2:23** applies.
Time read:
**8:45**
